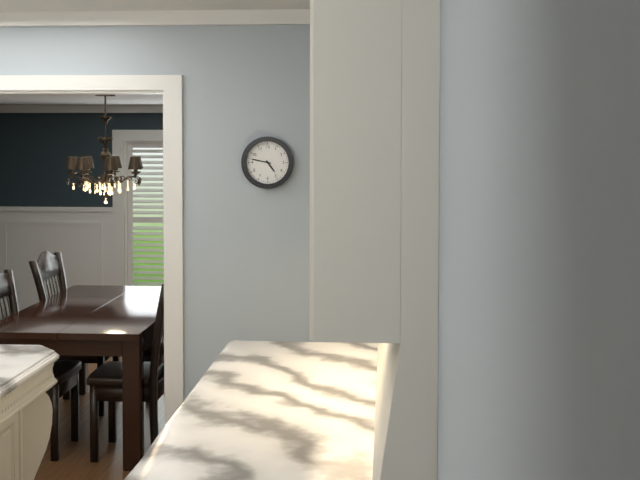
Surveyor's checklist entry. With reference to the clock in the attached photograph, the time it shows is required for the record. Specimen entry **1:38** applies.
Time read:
**4:47**
